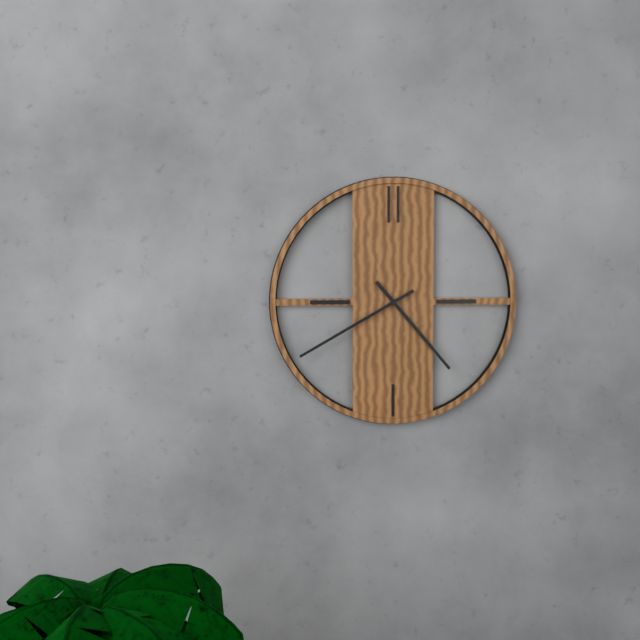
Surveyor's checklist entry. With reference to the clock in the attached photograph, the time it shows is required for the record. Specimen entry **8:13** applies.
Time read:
**4:40**
